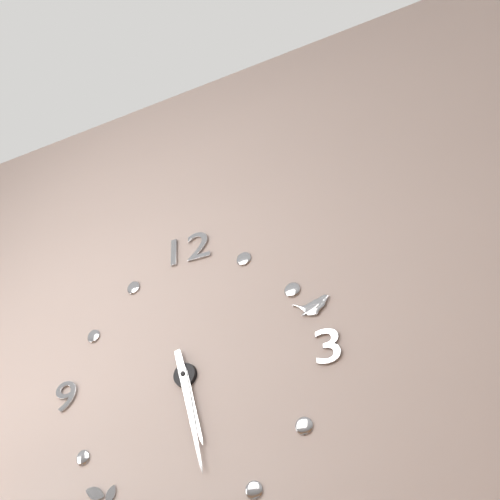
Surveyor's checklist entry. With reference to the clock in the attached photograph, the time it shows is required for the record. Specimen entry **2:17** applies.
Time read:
**5:28**
